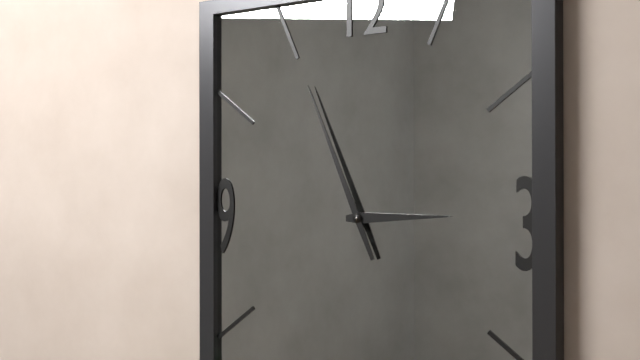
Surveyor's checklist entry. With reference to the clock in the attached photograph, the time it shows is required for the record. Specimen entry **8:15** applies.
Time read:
**2:56**
